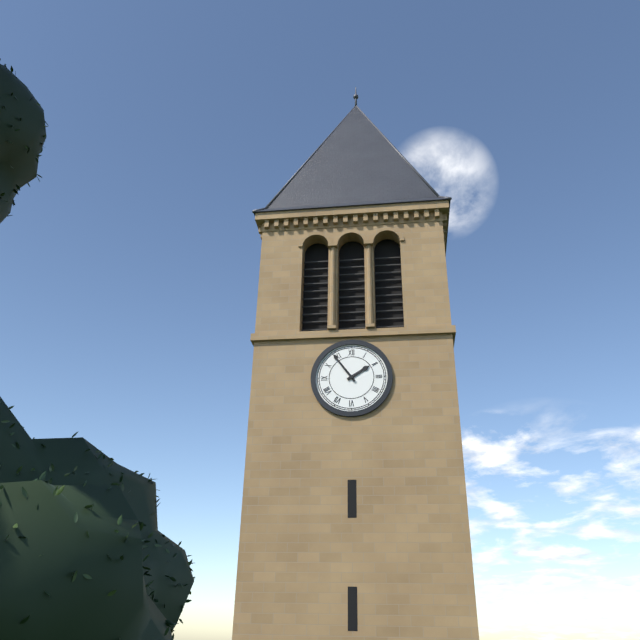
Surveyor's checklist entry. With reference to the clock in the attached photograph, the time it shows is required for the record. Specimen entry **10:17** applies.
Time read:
**1:54**
